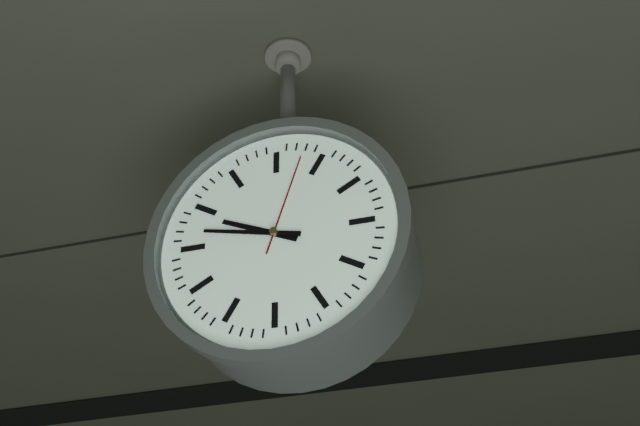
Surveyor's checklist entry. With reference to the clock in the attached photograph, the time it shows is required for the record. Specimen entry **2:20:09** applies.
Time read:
**9:47:03**
